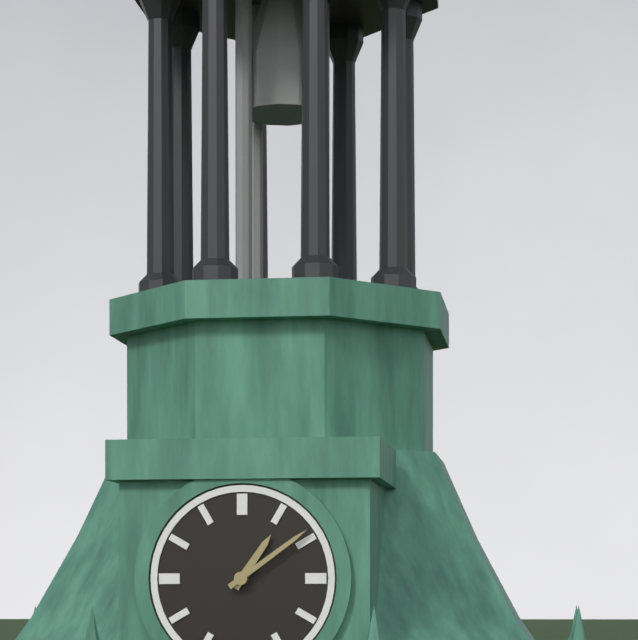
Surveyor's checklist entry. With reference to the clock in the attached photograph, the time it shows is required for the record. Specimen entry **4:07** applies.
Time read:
**1:09**
